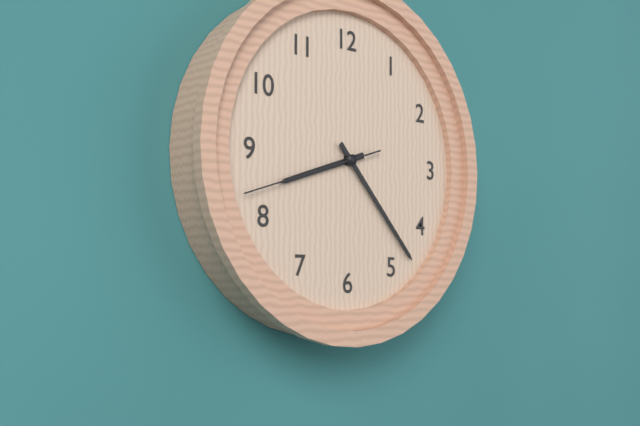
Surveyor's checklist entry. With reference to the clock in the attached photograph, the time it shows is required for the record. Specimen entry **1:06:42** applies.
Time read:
**8:23:42**
